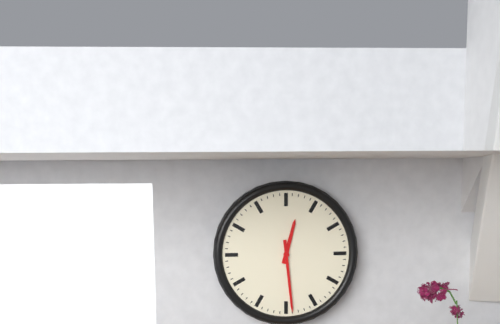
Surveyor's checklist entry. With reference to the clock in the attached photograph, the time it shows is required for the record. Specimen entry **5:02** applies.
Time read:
**12:29**
